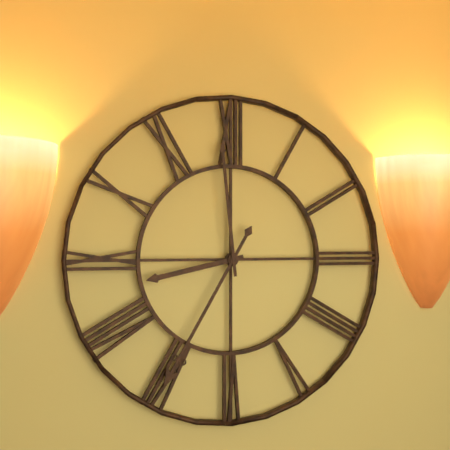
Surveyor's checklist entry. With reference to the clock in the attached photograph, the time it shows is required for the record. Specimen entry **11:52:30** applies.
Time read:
**8:35:59**
